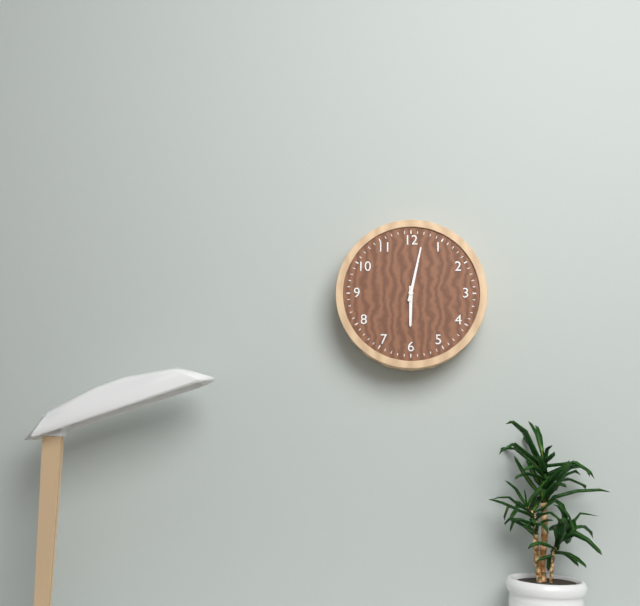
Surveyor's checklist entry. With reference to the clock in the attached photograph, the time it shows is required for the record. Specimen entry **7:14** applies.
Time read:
**6:02**
